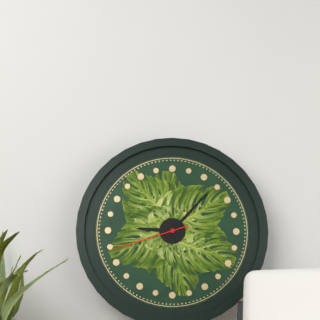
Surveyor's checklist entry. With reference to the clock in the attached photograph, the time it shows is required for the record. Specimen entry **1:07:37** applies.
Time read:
**9:07:42**
